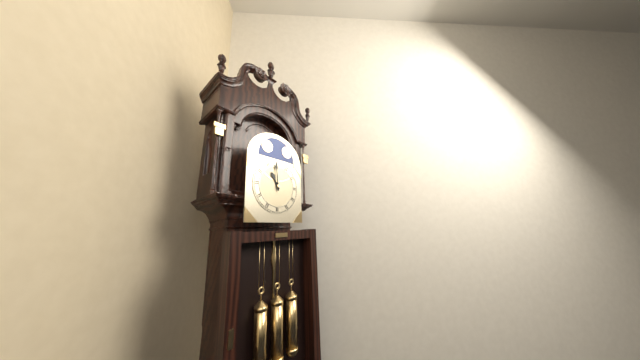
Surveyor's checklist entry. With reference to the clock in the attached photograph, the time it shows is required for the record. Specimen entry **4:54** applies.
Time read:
**10:59**
